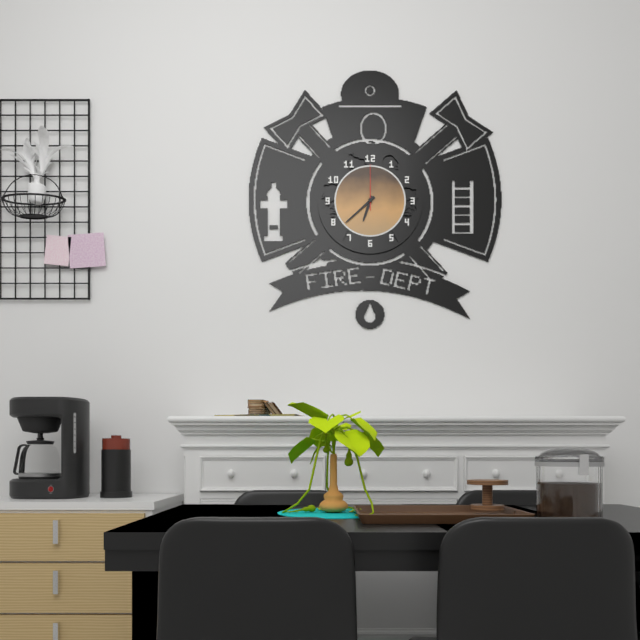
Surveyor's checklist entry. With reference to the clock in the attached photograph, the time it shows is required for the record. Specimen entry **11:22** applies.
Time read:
**6:38**
